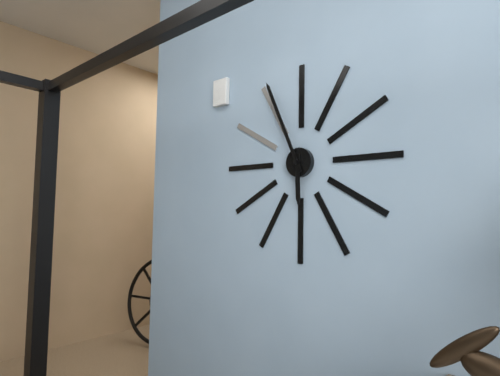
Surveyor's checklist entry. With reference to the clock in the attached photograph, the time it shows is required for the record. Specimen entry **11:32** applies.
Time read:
**5:56**
